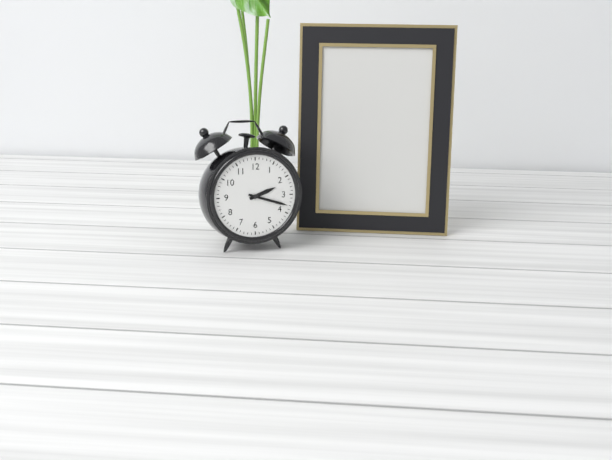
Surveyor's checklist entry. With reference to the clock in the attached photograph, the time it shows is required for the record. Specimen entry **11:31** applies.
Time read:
**2:18**
